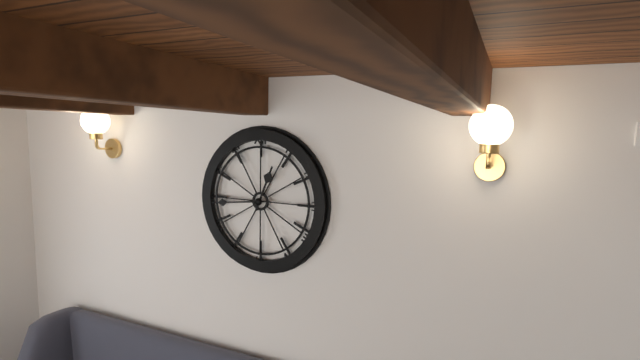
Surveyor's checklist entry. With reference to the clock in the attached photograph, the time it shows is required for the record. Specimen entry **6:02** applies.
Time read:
**12:44**
